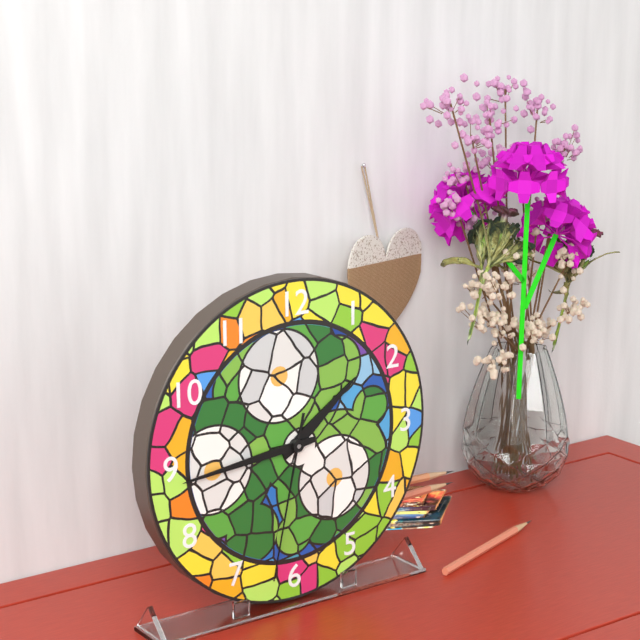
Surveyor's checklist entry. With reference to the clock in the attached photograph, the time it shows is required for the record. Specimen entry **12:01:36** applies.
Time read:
**1:44:32**
